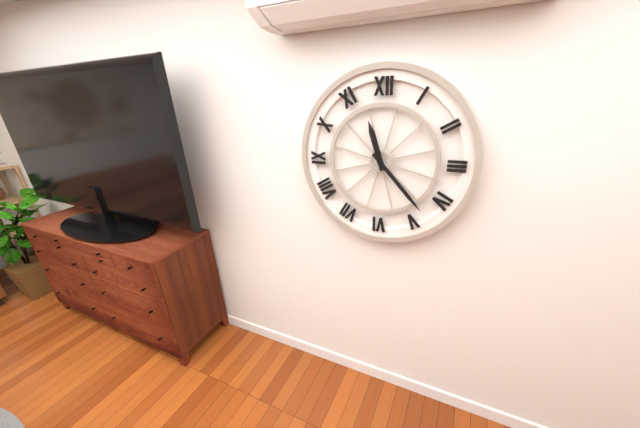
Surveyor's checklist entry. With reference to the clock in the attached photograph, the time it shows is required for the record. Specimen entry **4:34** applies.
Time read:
**11:23**
